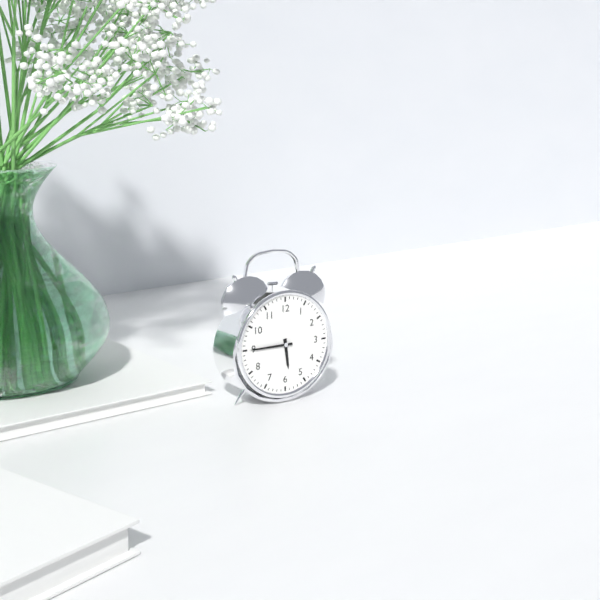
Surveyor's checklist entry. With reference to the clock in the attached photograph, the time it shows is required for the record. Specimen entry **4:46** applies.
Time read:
**5:45**
